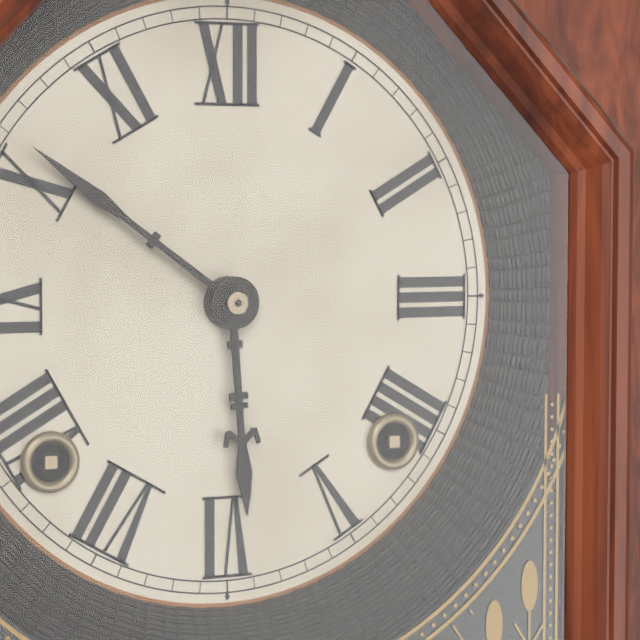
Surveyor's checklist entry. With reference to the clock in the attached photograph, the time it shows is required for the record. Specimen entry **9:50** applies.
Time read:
**5:51**
